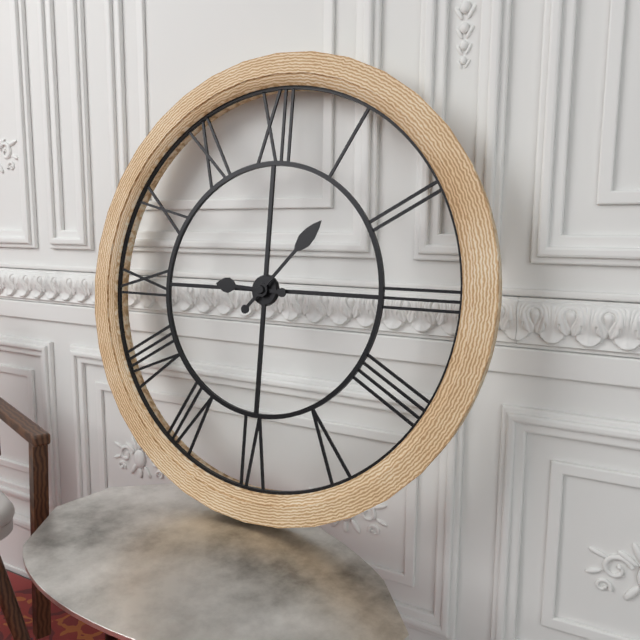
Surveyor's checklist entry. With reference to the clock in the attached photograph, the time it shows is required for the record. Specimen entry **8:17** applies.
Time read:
**9:07**
